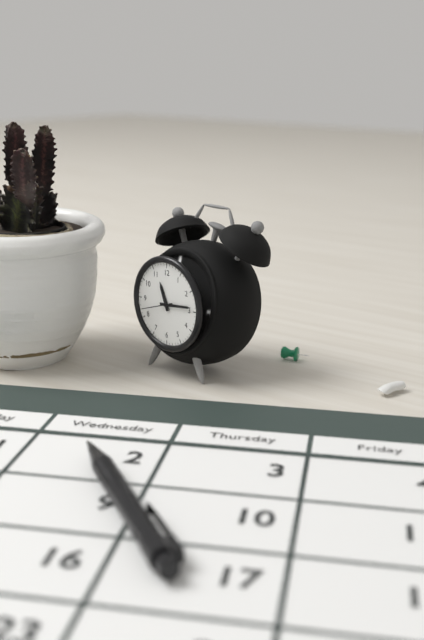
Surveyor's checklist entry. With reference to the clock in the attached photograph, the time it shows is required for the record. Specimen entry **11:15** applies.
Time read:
**11:14**
